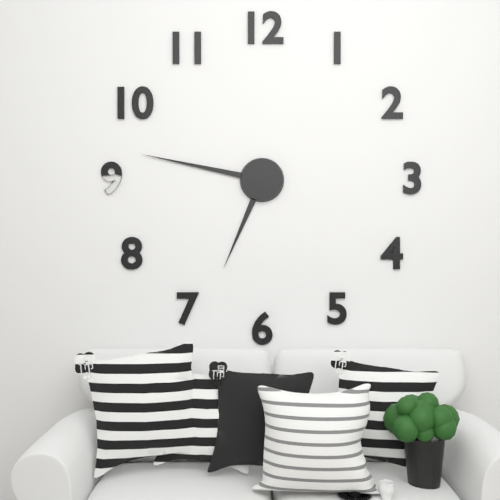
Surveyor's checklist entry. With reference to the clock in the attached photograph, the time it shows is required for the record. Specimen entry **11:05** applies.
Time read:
**6:47**
